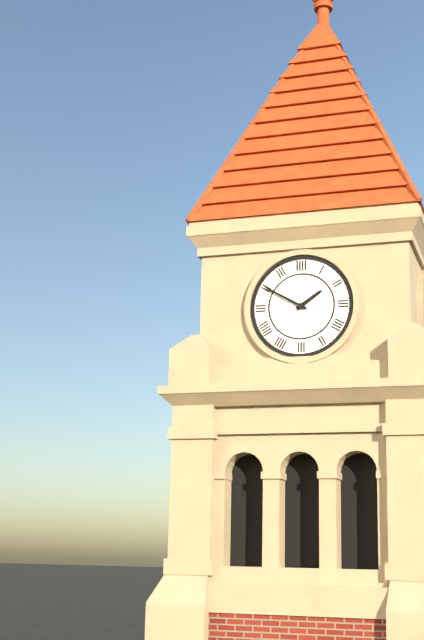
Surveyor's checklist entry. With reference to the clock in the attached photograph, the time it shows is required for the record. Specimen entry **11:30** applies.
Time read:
**1:50**
